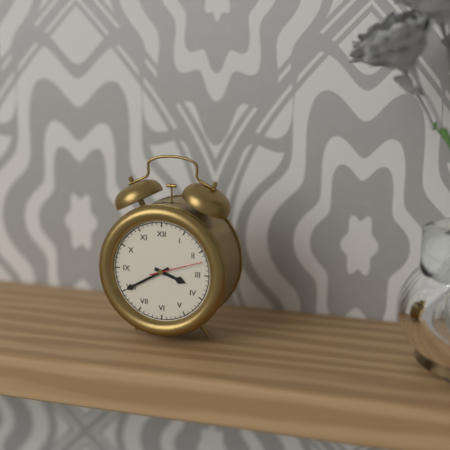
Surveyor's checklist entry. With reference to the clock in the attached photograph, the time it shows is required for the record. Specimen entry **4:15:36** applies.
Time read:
**3:40:12**
